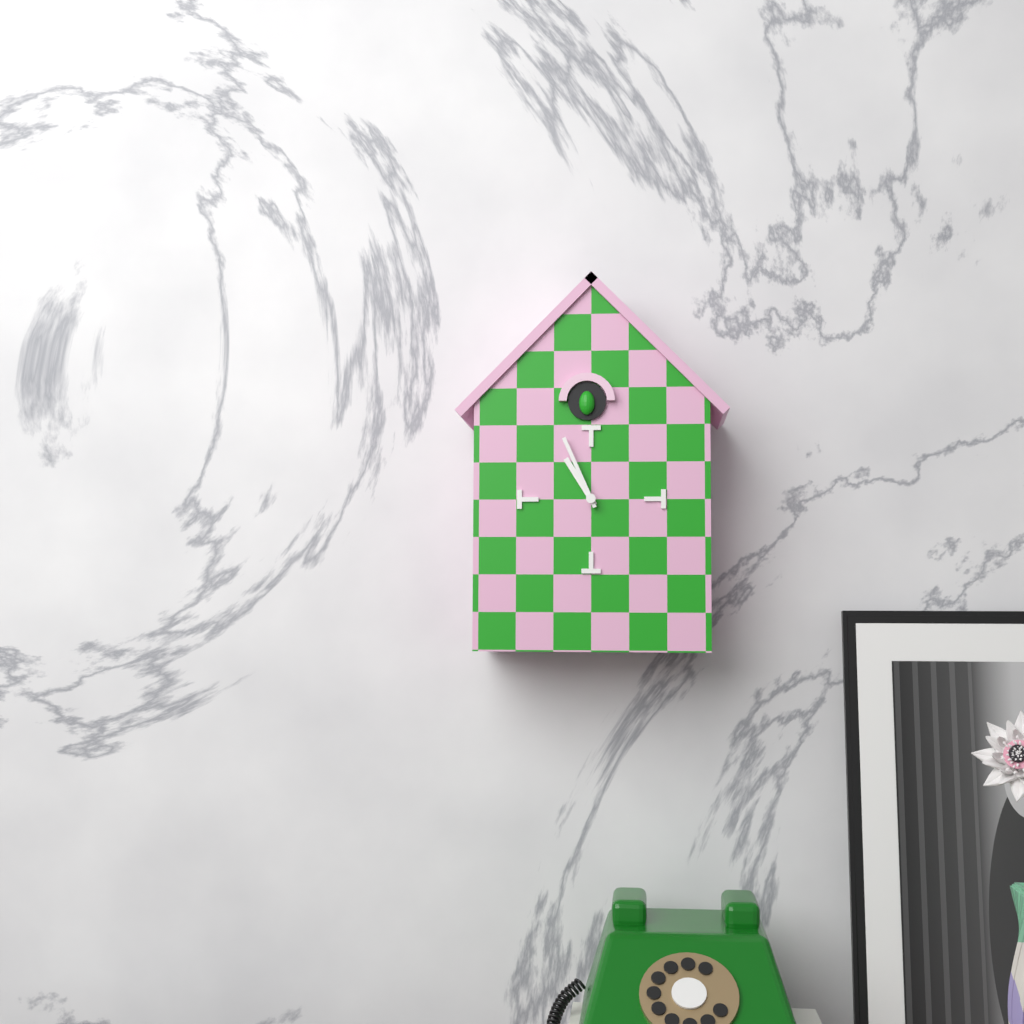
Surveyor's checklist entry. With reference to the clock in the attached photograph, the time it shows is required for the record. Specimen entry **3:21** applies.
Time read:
**10:56**
